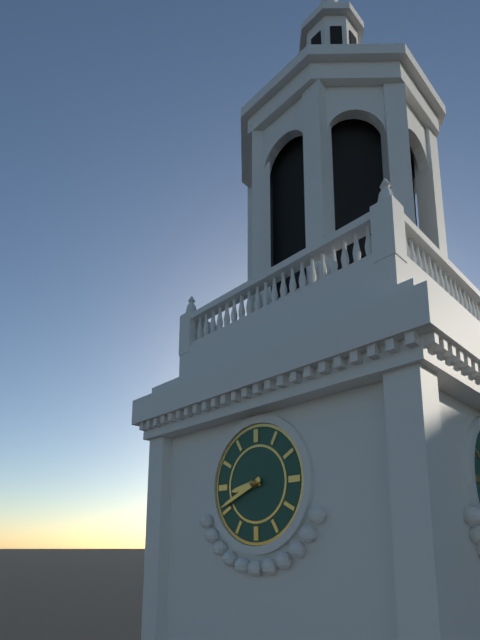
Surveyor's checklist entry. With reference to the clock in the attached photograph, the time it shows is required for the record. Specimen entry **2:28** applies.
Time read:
**8:41**
